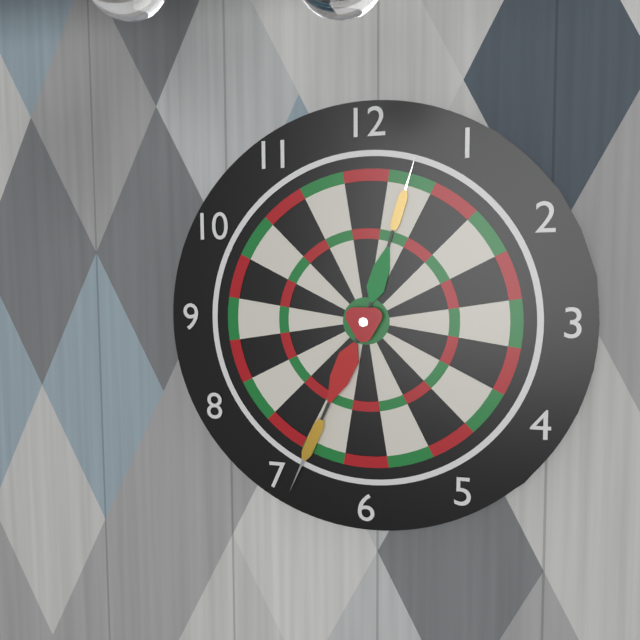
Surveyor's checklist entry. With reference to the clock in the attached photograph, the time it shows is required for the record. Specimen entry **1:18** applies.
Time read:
**12:34**
